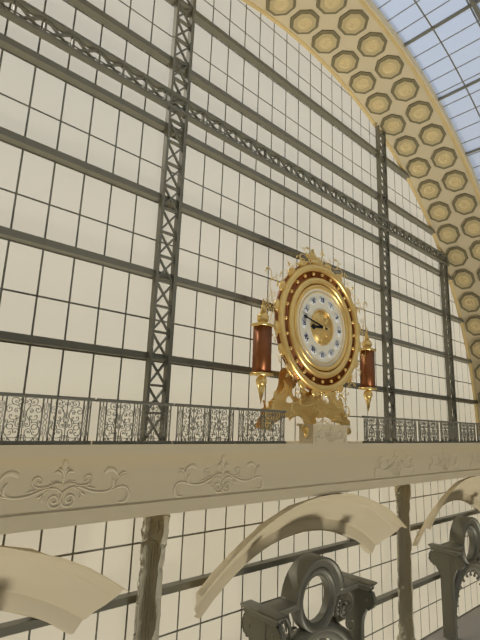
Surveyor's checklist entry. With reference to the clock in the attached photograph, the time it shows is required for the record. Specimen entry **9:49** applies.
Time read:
**8:47**
